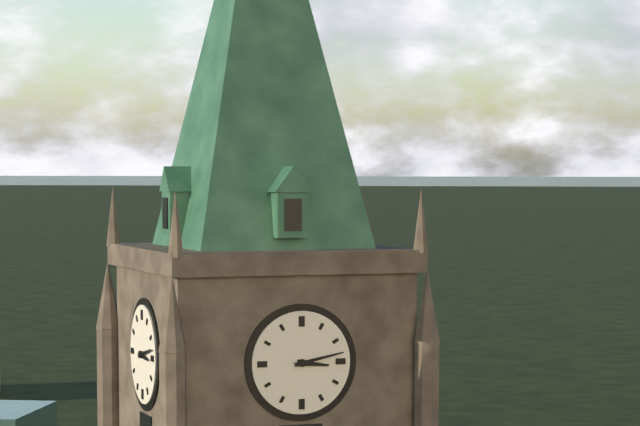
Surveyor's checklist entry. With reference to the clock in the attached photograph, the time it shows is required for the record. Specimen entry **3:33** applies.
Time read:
**3:13**
